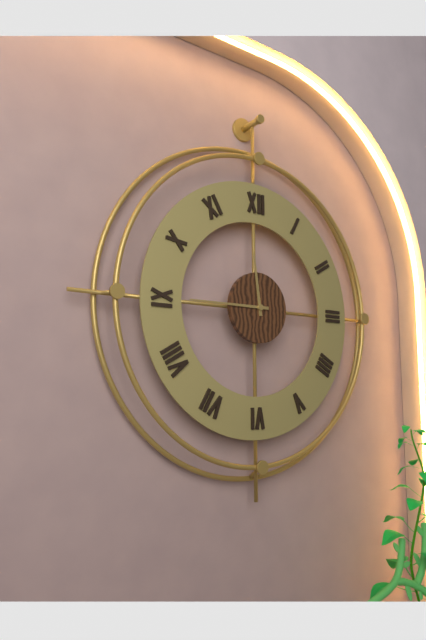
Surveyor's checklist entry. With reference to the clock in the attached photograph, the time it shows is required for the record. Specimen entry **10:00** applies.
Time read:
**11:45**
